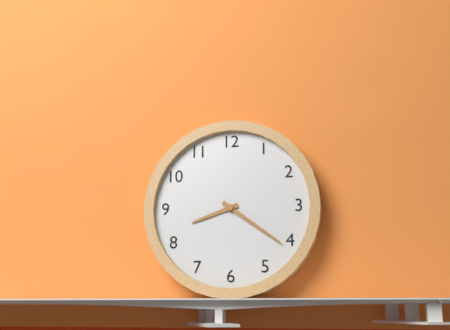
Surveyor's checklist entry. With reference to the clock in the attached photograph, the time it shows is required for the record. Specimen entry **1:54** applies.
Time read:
**8:21**
